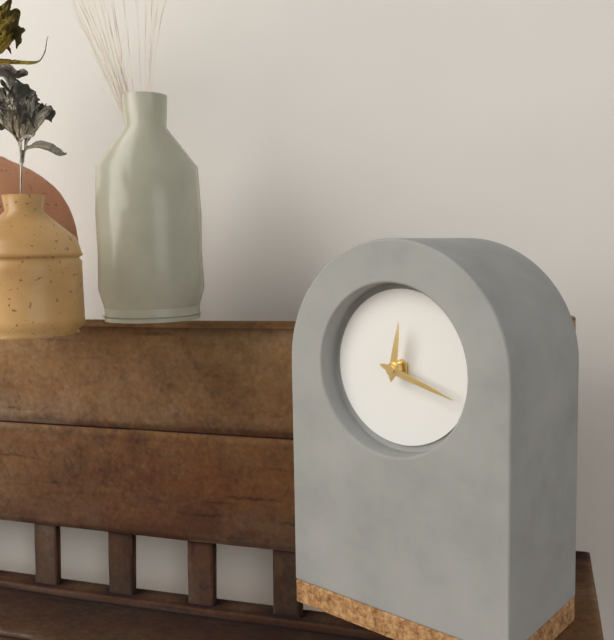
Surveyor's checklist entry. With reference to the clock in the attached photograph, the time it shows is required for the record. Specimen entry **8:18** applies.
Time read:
**12:18**
